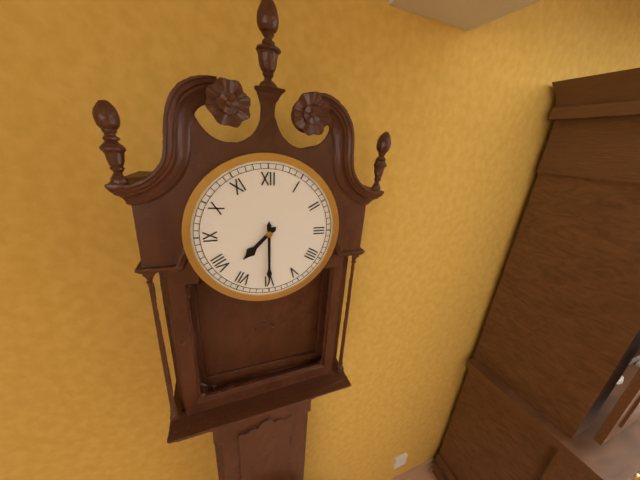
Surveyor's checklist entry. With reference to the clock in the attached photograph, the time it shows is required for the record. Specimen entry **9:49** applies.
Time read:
**7:30**
